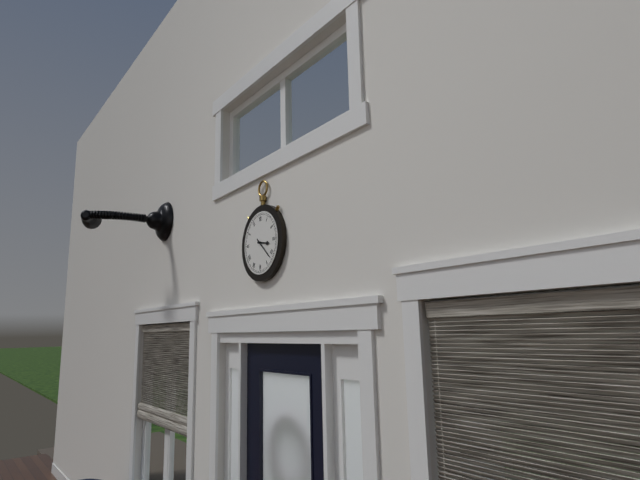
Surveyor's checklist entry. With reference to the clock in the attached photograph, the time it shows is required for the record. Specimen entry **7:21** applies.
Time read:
**3:22**
